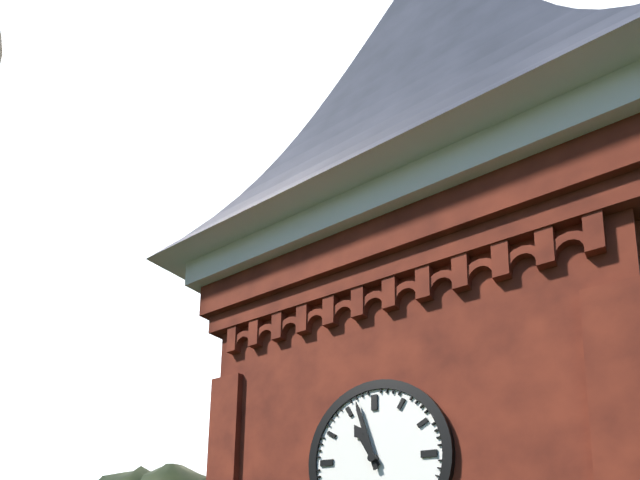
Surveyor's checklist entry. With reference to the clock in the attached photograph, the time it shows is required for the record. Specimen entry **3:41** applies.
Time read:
**10:57**
